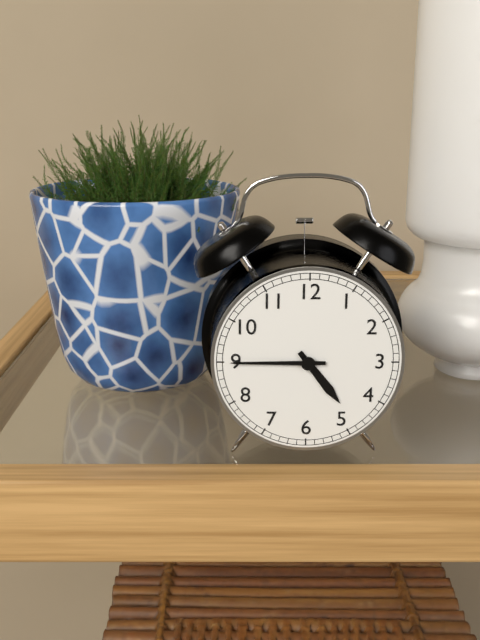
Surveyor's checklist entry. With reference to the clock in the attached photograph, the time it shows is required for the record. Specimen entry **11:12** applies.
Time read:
**4:45**
